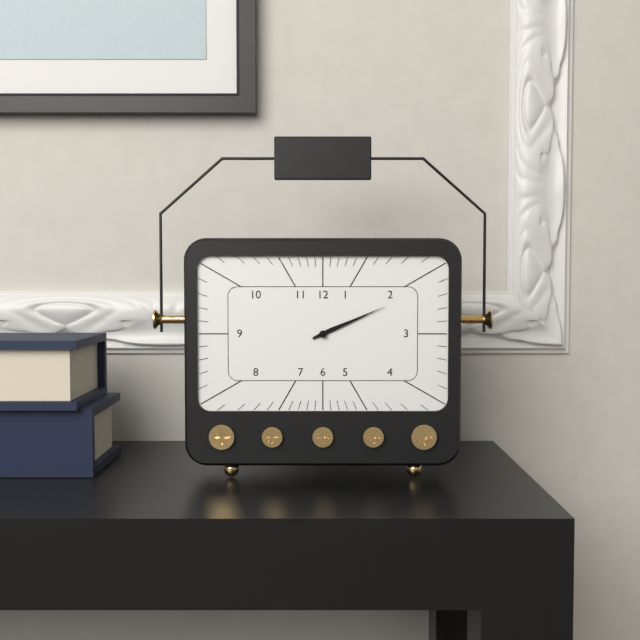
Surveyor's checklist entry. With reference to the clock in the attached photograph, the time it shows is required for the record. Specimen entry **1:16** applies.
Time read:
**2:11**
